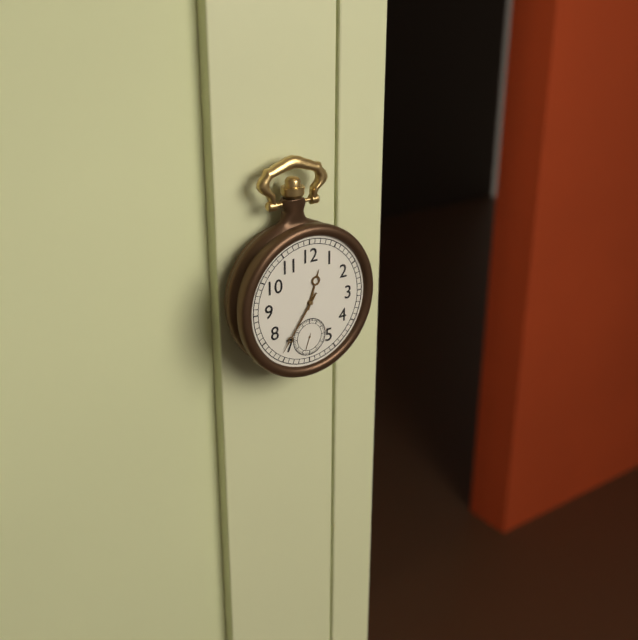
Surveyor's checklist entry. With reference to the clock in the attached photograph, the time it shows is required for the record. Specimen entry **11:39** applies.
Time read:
**12:36**
